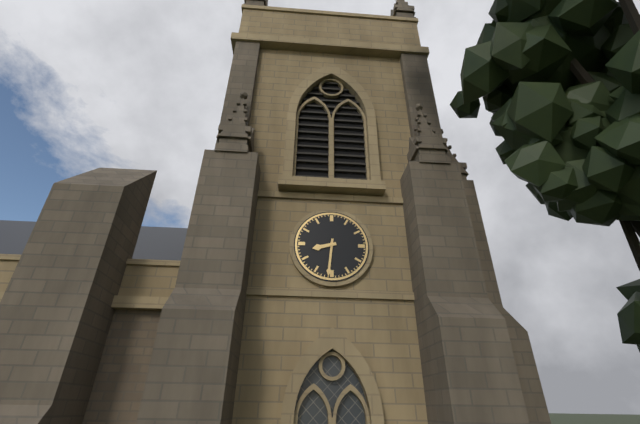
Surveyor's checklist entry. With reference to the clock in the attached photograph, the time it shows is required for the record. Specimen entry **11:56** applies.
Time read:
**8:31**
